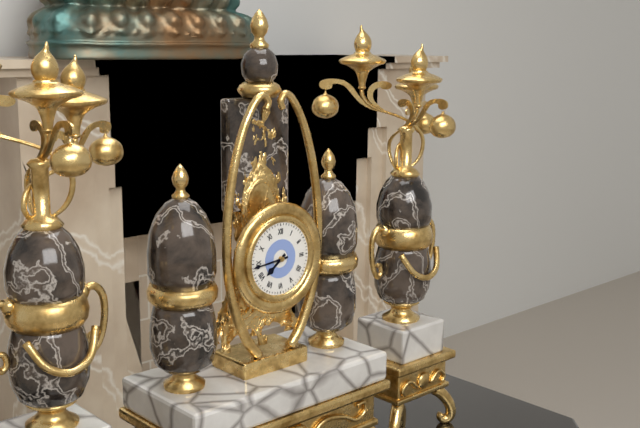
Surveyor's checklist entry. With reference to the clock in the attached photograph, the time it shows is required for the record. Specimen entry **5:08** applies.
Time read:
**7:44**
